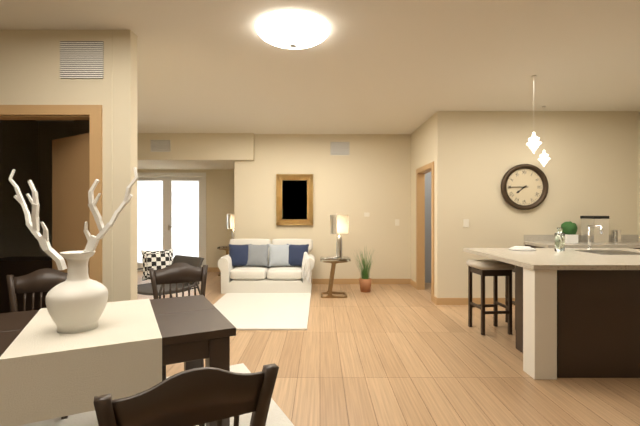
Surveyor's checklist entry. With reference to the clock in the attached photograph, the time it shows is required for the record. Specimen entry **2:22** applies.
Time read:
**7:45**
